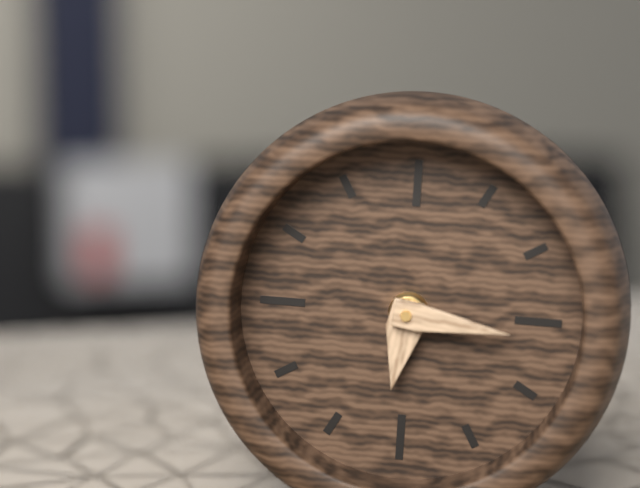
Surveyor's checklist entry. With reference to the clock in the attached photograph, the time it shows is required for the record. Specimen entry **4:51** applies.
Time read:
**6:16**
